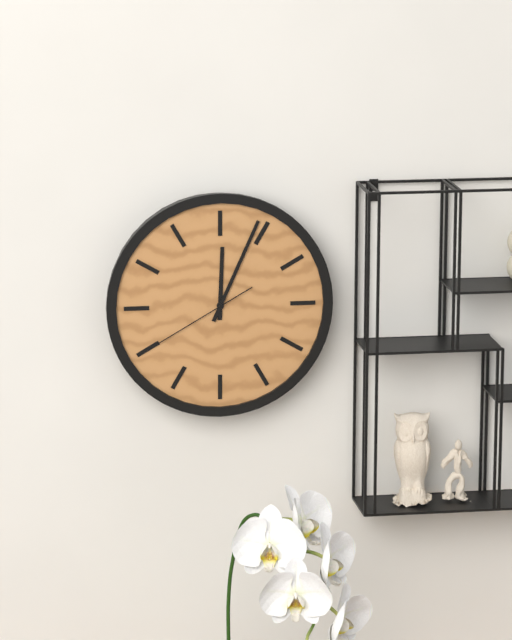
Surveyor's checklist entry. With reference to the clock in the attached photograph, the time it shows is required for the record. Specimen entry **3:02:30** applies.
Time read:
**12:04:40**
